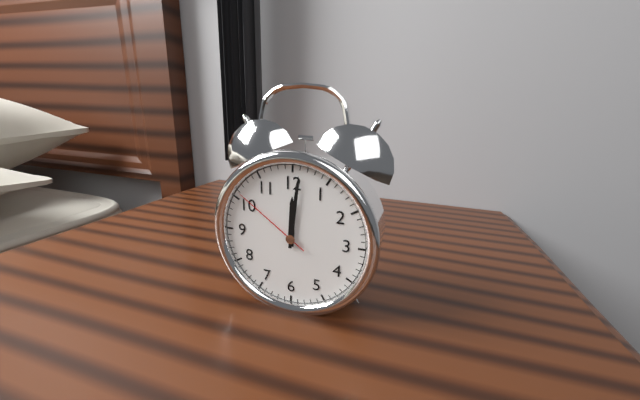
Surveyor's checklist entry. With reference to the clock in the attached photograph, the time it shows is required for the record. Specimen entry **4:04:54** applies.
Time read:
**12:01:51**
